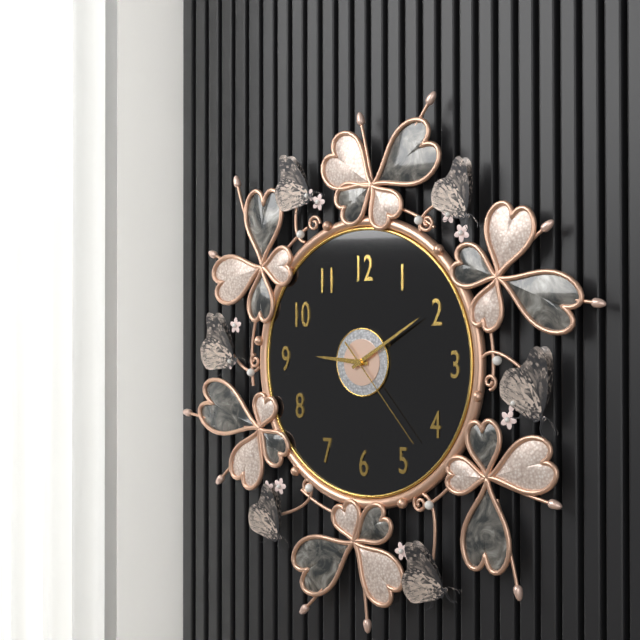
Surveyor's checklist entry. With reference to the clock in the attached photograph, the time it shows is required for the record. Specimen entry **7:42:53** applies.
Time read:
**9:10:23**
